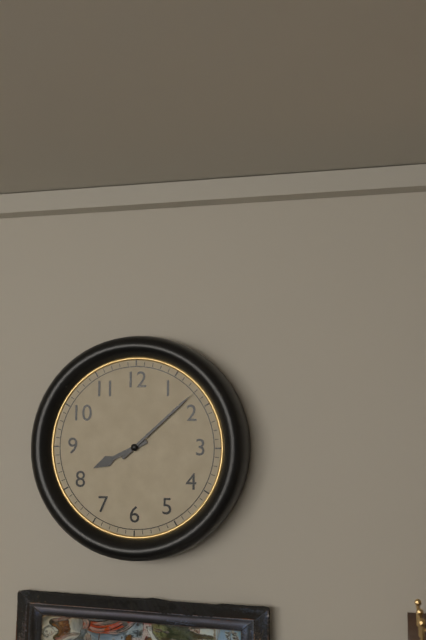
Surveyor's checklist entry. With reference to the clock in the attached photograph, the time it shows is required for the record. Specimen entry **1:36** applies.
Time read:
**8:08**
